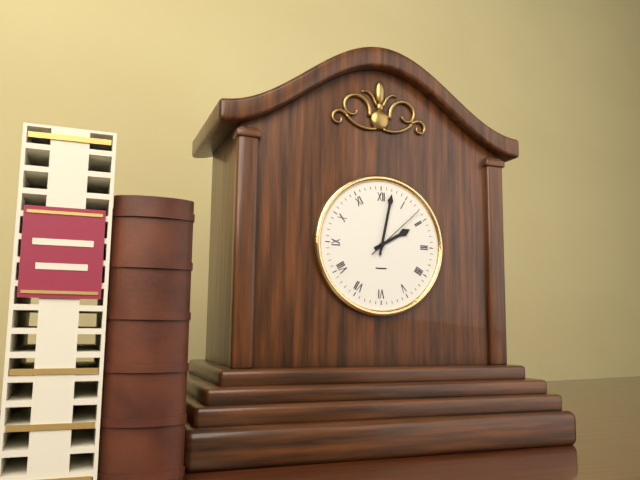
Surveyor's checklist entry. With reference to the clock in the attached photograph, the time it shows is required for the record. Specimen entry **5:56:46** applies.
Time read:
**2:02:08**
